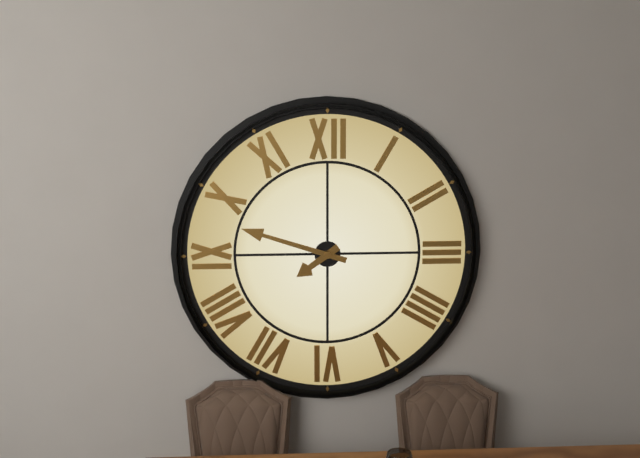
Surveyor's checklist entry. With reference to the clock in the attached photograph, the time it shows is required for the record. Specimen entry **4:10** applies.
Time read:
**7:48**
